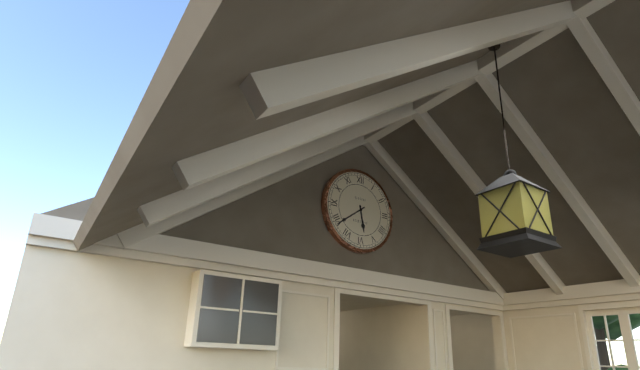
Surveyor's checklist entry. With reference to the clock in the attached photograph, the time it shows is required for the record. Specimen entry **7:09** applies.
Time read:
**5:39**
